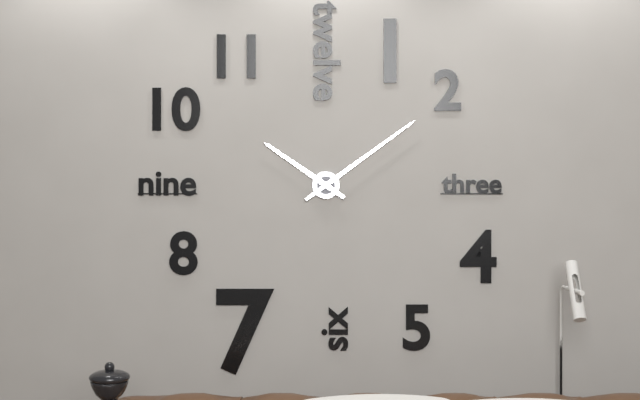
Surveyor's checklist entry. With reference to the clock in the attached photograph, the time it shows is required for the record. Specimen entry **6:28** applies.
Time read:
**10:09**
